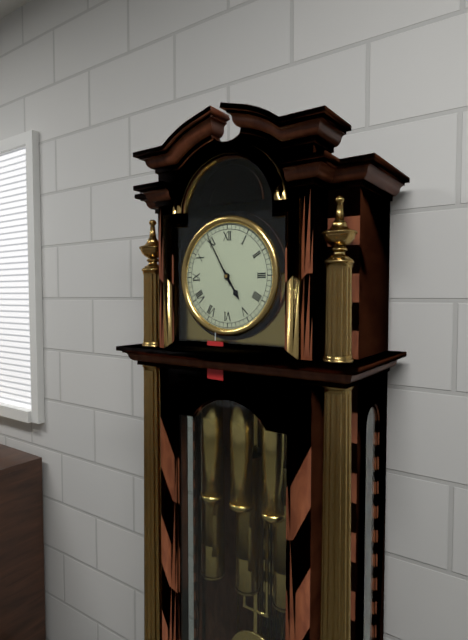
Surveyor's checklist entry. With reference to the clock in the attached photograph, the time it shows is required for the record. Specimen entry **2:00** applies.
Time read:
**4:55**
